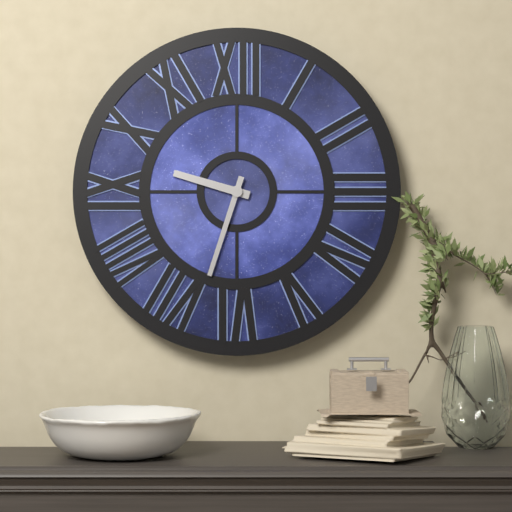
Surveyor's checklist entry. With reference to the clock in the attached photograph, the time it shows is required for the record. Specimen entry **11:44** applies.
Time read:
**9:33**
